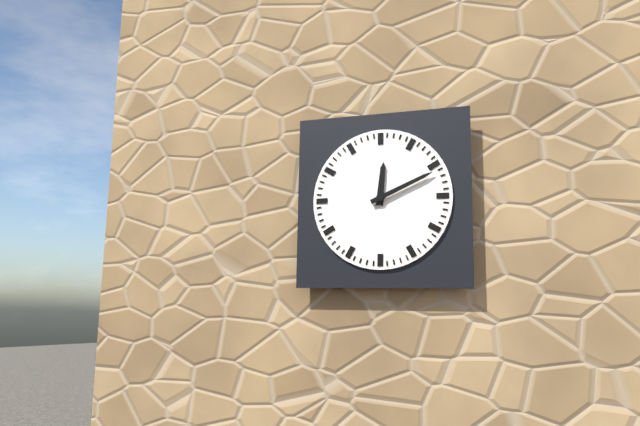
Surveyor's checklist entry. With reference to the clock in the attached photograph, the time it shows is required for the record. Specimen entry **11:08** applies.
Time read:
**12:11**
